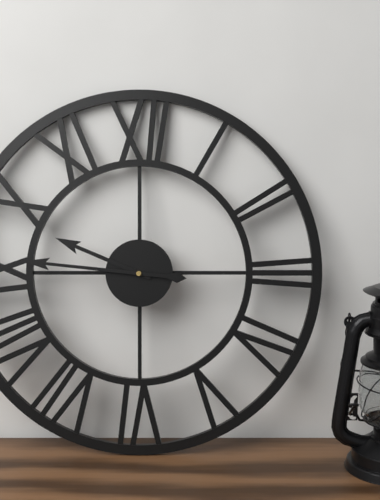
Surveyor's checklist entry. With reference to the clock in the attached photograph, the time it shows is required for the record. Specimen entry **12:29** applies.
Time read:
**9:46**
